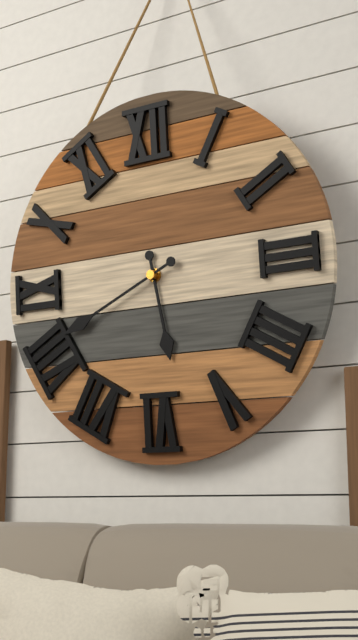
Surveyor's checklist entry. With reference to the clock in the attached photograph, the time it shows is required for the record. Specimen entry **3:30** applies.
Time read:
**5:41**
